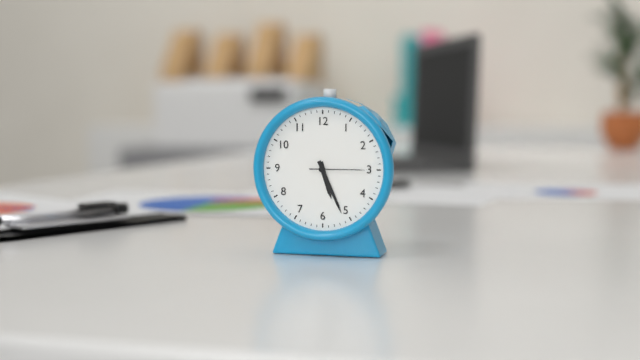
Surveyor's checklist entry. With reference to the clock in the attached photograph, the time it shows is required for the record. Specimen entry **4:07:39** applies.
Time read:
**5:26:15**
